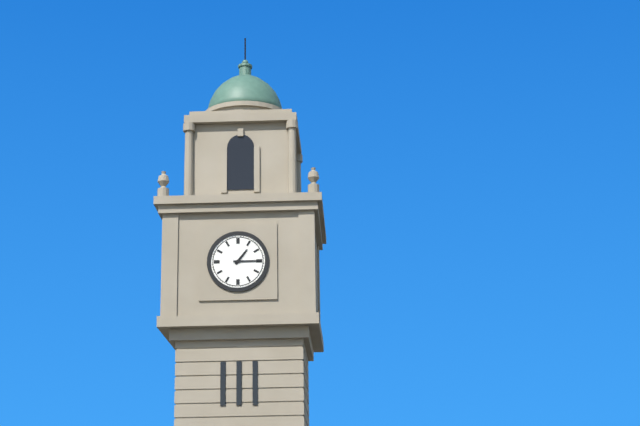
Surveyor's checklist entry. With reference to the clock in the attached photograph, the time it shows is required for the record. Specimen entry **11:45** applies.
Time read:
**1:15**
